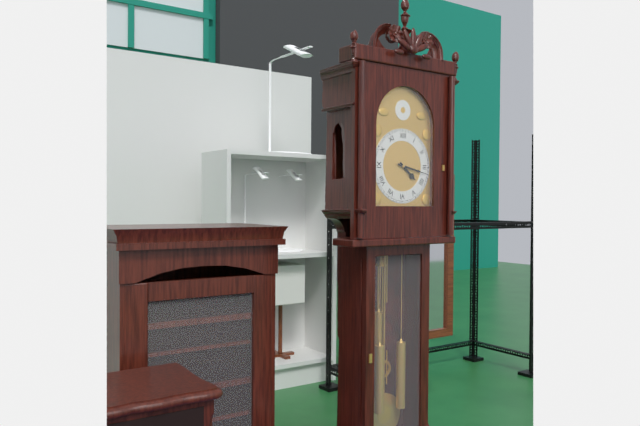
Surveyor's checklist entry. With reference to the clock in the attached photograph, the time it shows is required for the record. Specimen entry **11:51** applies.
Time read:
**4:17**
